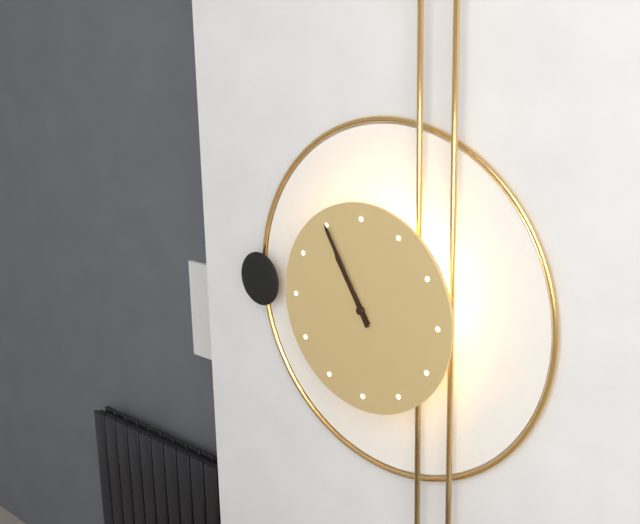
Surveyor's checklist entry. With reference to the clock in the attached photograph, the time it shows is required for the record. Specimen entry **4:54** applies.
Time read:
**10:55**
